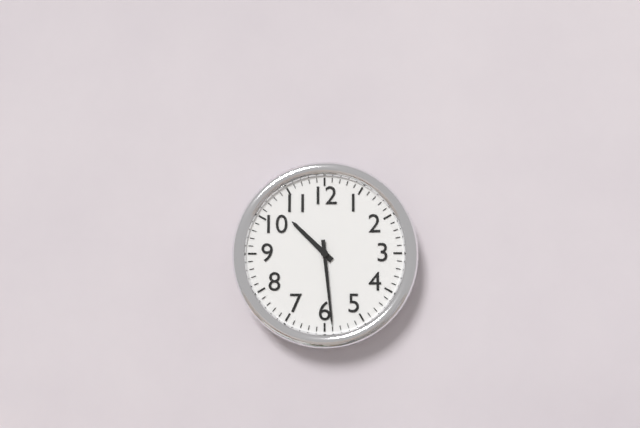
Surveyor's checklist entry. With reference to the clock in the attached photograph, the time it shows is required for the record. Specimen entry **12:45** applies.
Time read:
**10:29**
